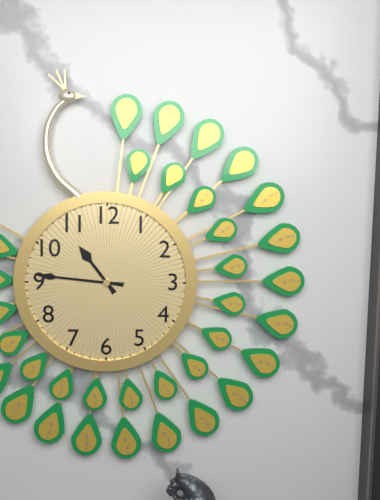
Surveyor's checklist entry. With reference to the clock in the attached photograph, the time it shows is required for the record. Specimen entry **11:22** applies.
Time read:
**10:46**
